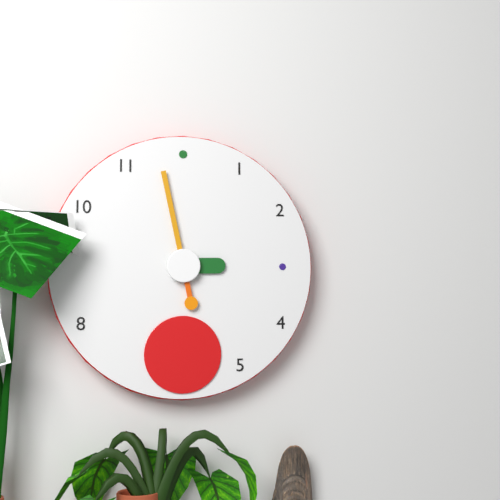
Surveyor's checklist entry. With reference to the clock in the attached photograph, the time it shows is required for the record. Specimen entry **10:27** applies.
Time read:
**2:58**
